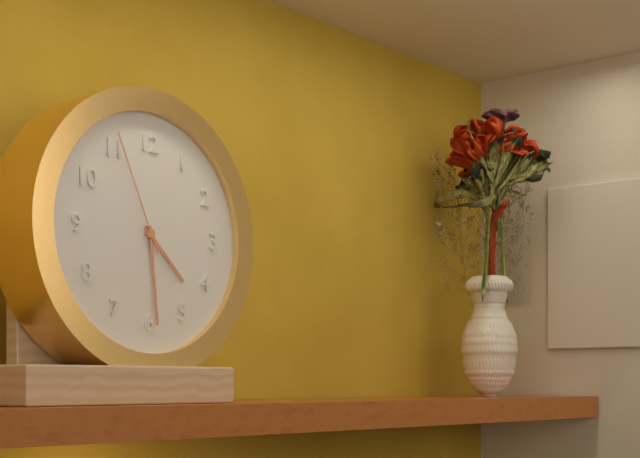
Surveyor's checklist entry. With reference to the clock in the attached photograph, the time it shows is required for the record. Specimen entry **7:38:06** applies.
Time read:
**4:29:56**
